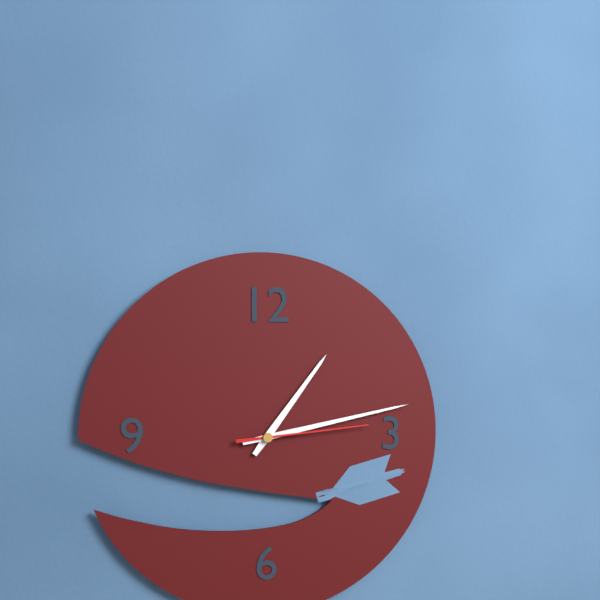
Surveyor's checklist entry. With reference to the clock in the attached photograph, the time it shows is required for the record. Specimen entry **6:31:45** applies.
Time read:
**1:13:14**
